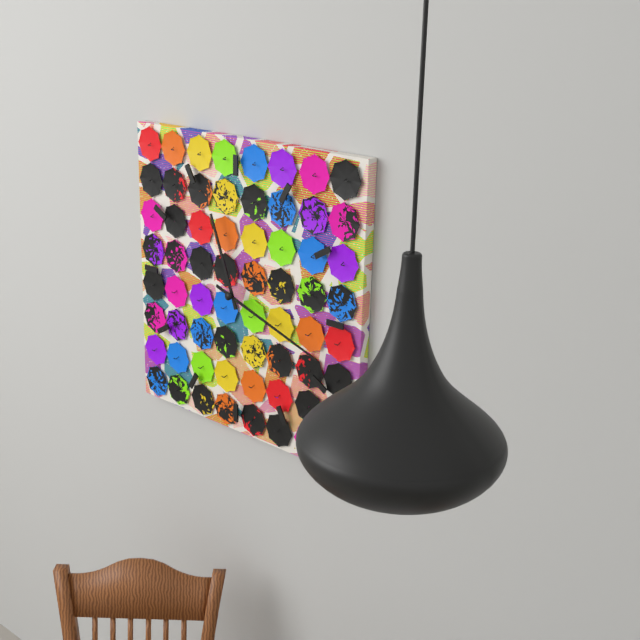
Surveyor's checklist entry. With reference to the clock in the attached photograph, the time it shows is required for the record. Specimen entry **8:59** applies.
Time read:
**11:18**
